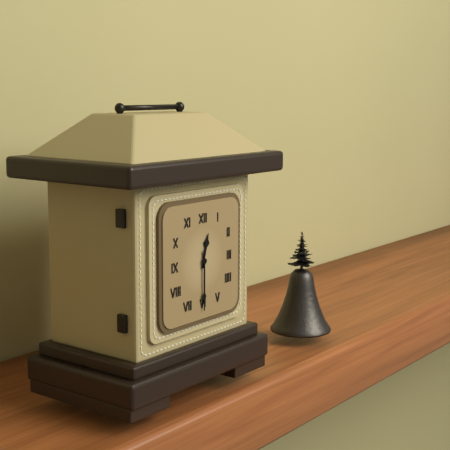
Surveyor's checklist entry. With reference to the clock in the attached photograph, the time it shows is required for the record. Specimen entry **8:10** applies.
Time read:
**12:30**
